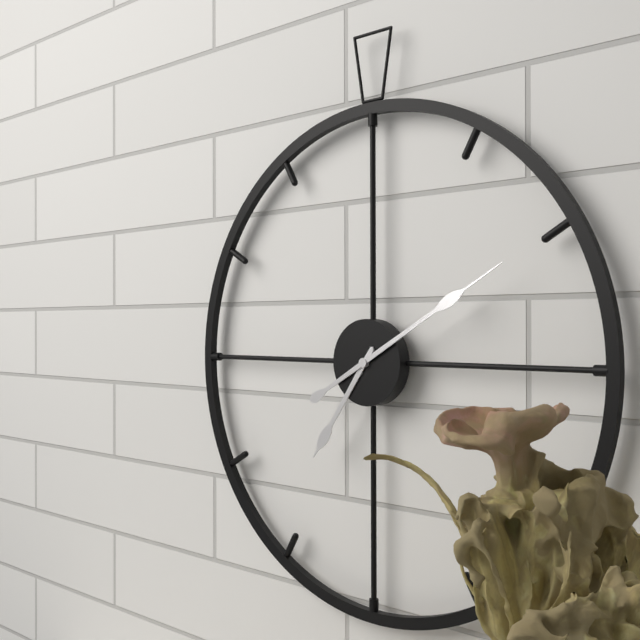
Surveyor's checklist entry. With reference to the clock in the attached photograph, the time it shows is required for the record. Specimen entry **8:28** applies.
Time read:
**7:10**
